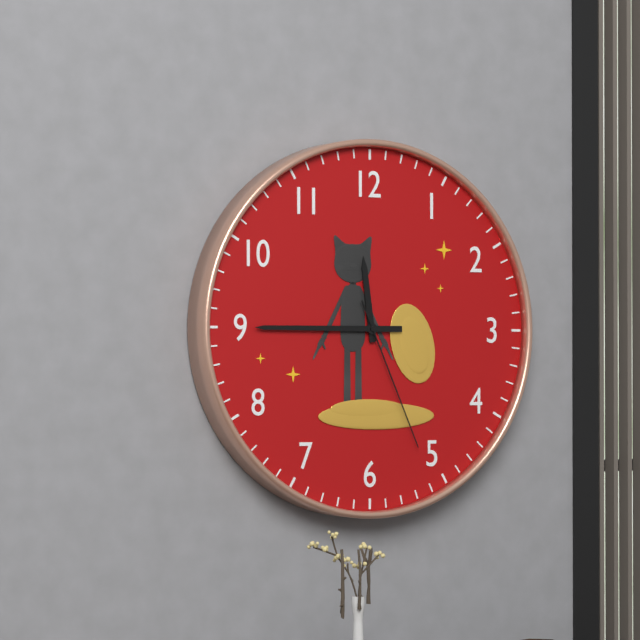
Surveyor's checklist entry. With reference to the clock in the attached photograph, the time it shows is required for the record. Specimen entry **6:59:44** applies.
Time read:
**11:45:26**
